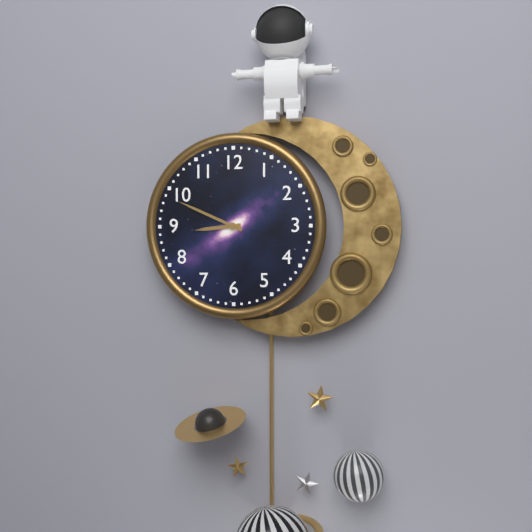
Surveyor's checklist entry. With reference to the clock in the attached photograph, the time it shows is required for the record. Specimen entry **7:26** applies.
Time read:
**8:49**
